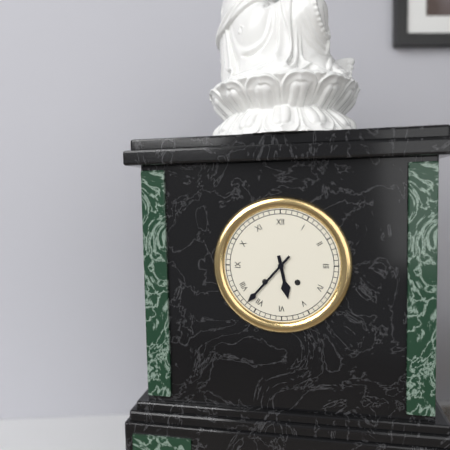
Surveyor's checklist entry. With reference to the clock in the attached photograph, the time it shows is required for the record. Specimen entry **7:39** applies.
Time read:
**5:37**
